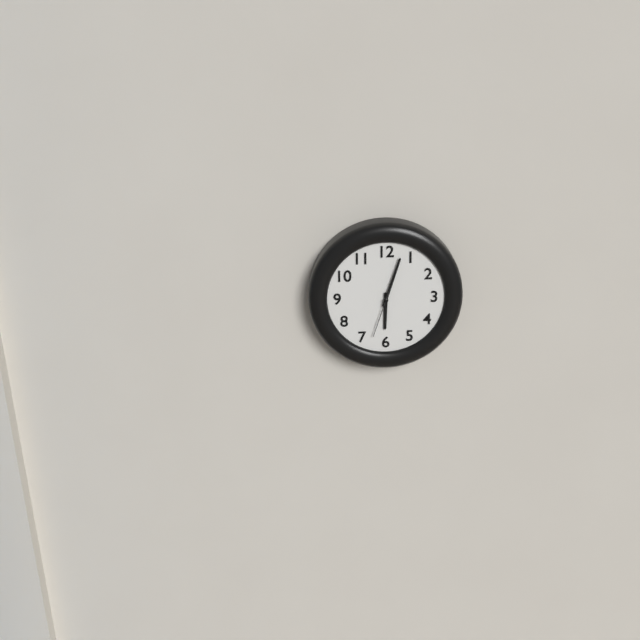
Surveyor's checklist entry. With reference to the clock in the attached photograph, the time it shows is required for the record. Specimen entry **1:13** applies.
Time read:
**6:03**
